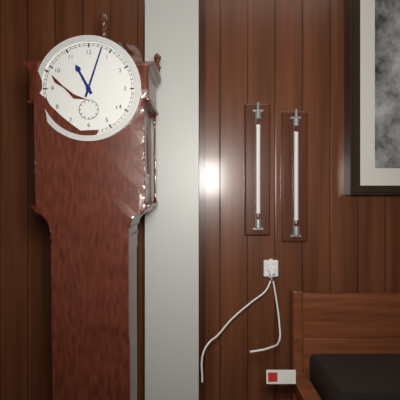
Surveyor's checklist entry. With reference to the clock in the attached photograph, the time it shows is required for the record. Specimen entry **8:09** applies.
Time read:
**11:03**
